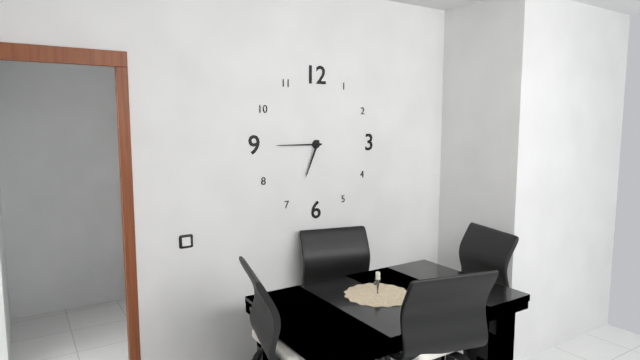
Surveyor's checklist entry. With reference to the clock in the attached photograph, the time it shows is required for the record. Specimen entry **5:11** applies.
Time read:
**6:45**
